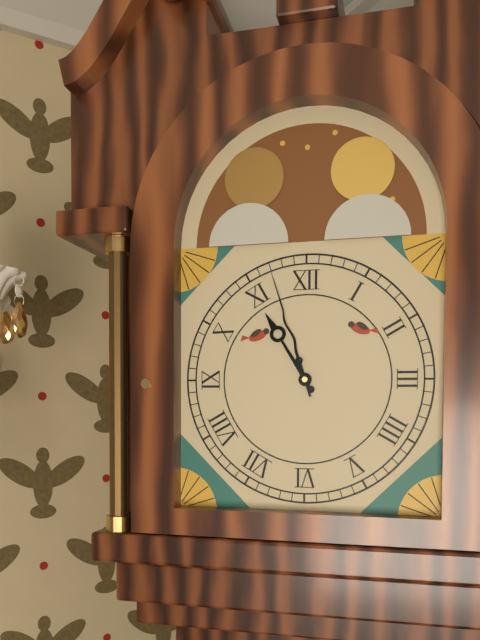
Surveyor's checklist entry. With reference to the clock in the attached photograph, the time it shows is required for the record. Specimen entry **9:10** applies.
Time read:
**10:57**
